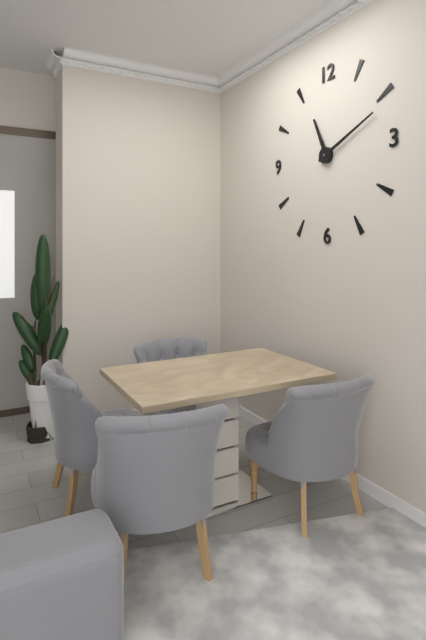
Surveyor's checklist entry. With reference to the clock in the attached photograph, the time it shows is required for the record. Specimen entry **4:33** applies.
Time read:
**11:11**
